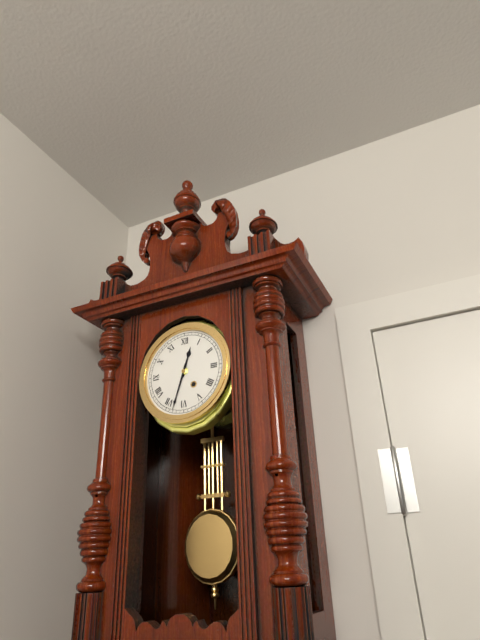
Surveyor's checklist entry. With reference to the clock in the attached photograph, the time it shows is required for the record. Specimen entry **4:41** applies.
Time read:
**12:33**
